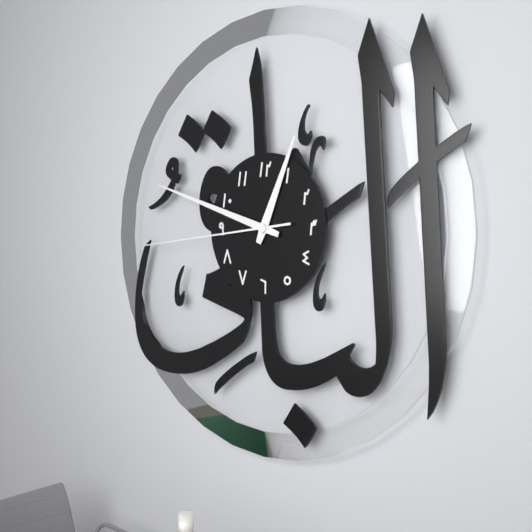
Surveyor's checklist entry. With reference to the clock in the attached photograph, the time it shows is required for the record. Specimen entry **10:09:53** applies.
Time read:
**12:48:44**
